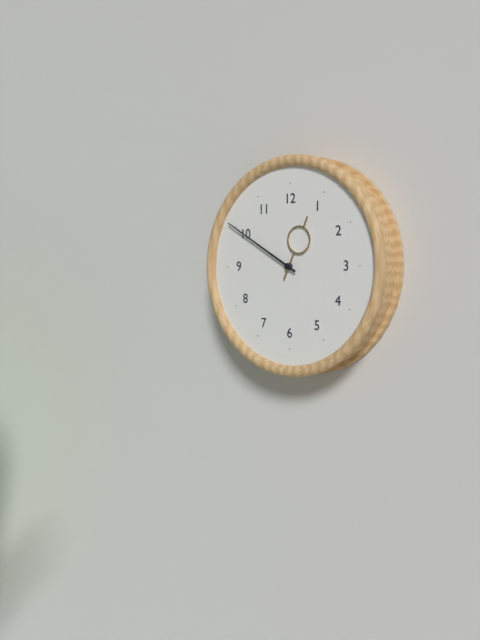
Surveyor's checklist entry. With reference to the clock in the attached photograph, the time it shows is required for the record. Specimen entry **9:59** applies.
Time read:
**12:50**
